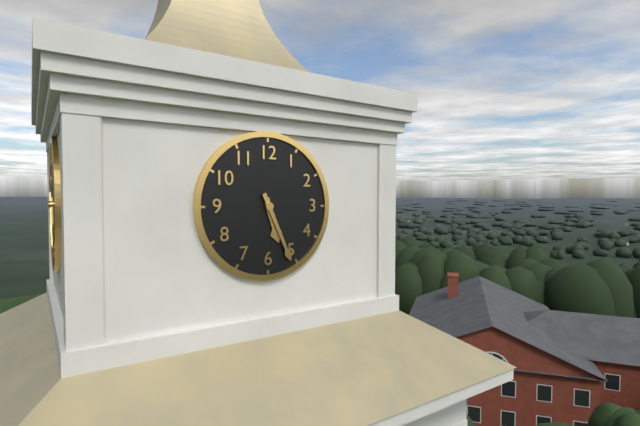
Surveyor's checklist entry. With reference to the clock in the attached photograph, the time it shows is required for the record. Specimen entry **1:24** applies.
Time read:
**5:26**
